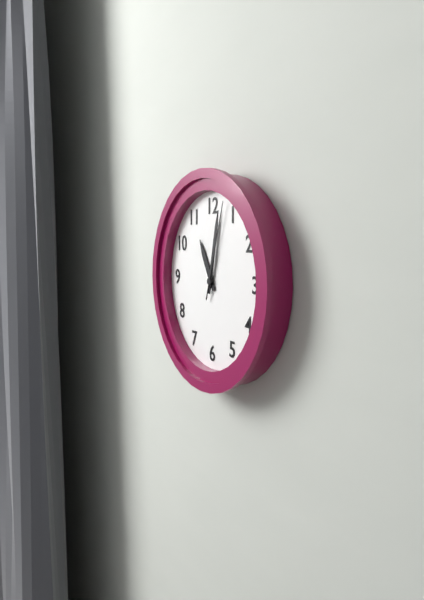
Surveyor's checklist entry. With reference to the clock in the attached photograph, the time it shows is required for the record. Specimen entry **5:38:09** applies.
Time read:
**11:02:03**
